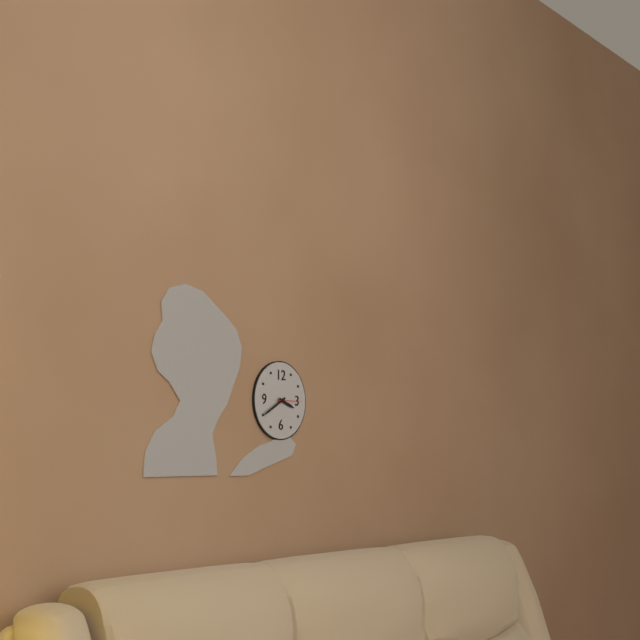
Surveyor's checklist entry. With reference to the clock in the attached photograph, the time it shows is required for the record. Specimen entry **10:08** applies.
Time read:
**3:40**
